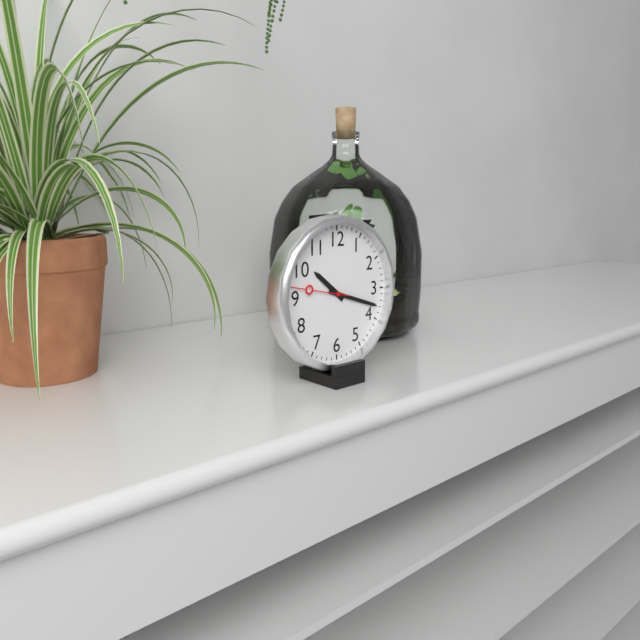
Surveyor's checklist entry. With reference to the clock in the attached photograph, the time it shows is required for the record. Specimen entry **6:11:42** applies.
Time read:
**10:18:47**
